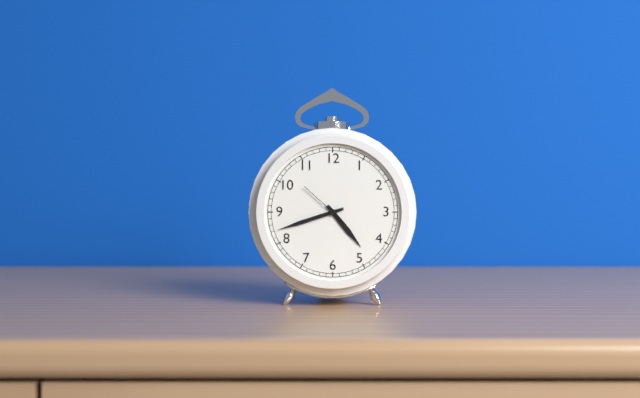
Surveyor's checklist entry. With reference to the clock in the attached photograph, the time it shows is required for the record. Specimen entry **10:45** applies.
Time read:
**4:42**
